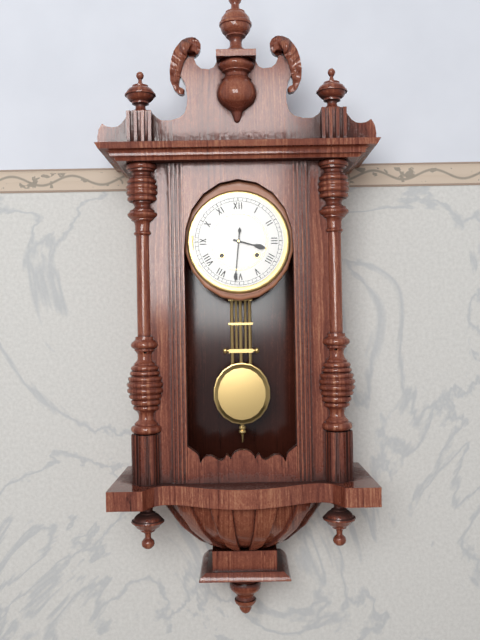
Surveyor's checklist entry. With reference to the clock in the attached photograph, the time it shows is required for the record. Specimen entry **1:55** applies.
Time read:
**3:31**
